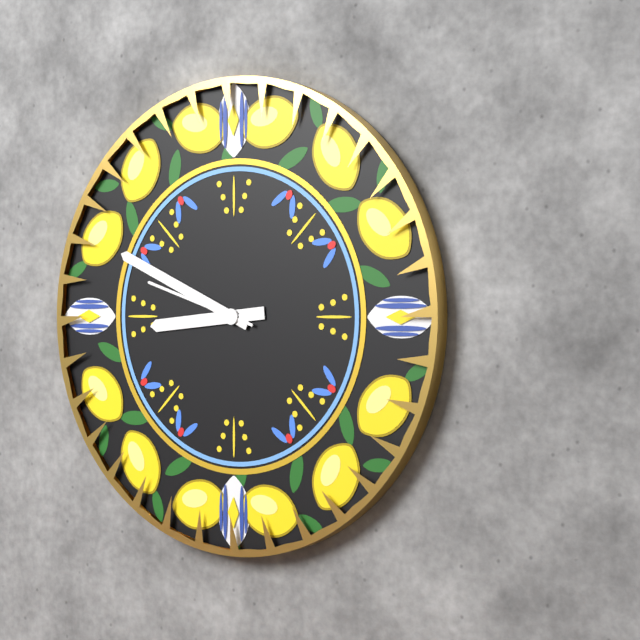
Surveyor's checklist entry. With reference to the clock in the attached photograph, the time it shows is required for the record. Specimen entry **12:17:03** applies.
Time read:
**8:49:48**
